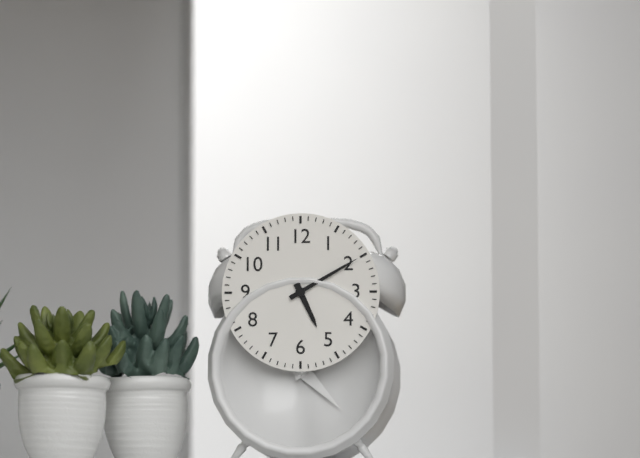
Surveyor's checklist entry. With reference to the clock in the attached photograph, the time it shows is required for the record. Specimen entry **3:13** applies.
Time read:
**5:10**
